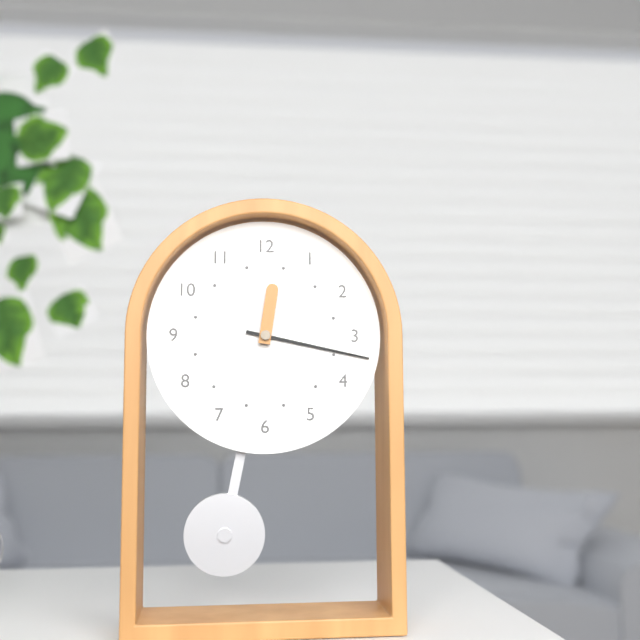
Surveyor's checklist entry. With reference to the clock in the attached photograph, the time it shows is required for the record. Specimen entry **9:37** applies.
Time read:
**12:17**
